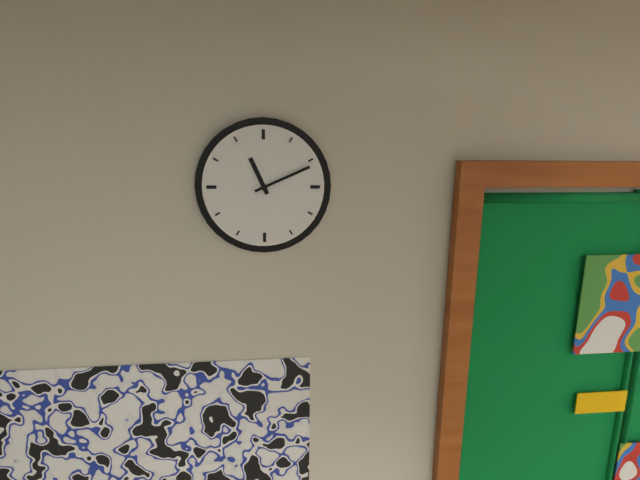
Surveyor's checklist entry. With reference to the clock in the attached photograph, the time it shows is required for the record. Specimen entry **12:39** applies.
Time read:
**11:11**
